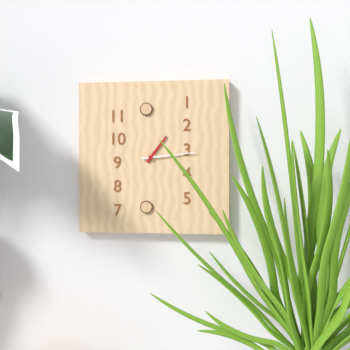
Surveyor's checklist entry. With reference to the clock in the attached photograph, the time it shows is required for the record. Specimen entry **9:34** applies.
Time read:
**1:14**
